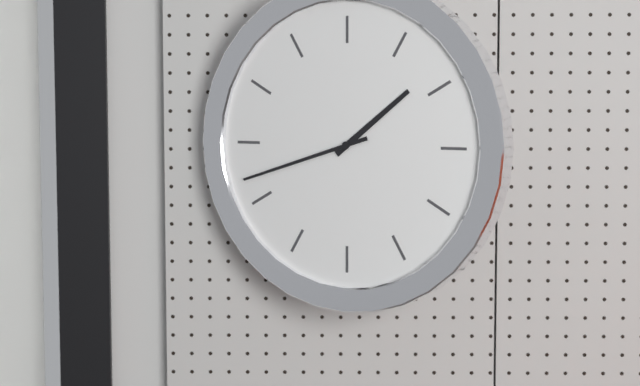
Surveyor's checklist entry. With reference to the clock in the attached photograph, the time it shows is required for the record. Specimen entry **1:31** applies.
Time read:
**1:42**
